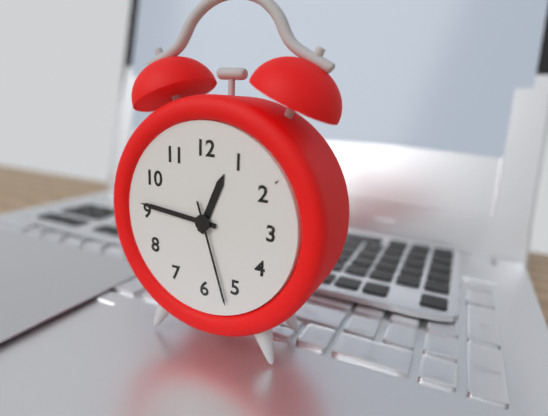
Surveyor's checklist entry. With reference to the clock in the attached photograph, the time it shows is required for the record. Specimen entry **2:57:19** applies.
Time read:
**12:46:27**
